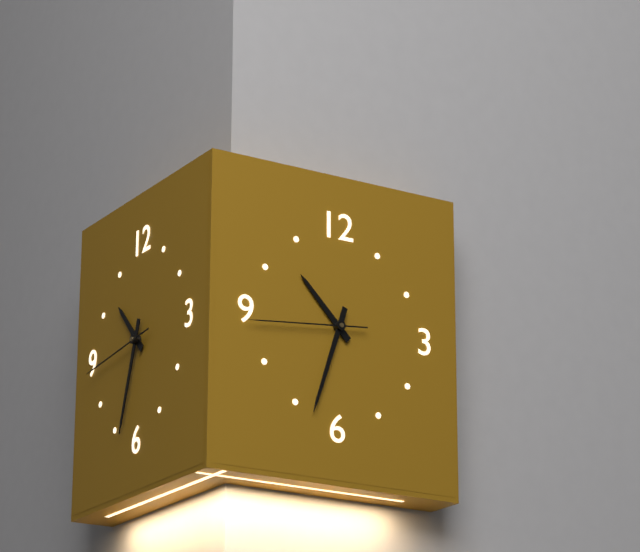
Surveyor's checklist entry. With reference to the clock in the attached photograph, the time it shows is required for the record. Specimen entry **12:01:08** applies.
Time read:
**10:33:44**
